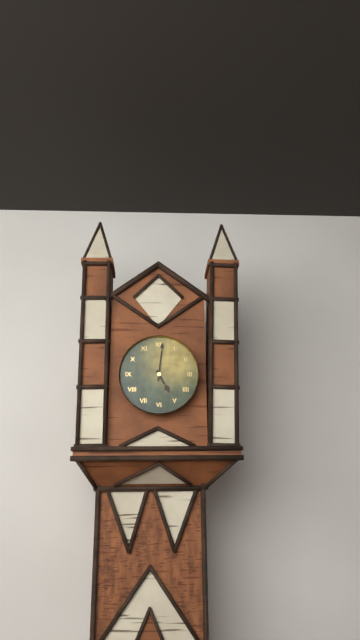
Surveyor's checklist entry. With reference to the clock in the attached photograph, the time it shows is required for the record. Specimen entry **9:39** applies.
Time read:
**5:01**
